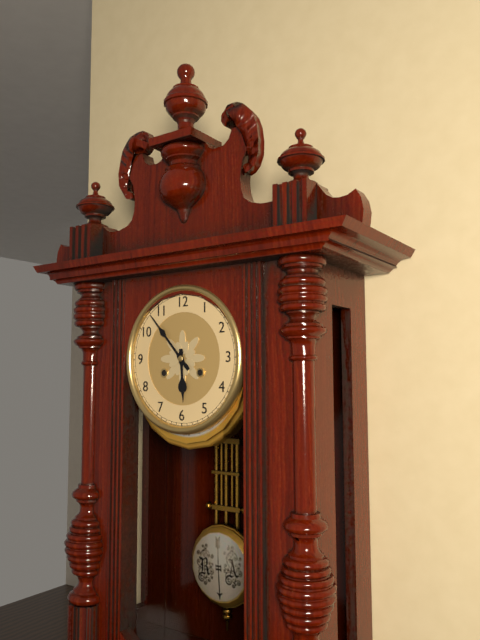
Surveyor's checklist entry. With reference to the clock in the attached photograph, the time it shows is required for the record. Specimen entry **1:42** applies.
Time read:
**5:53**
